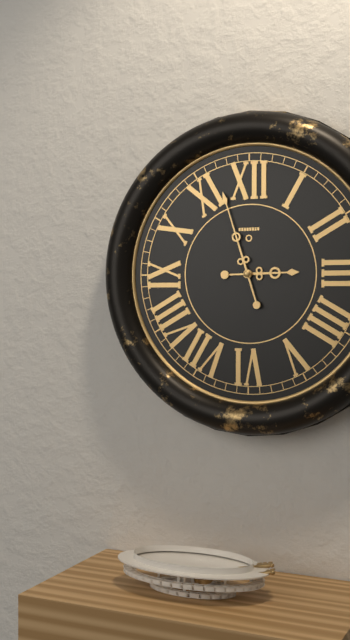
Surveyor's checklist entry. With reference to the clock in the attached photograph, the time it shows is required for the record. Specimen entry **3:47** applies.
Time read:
**2:57**
